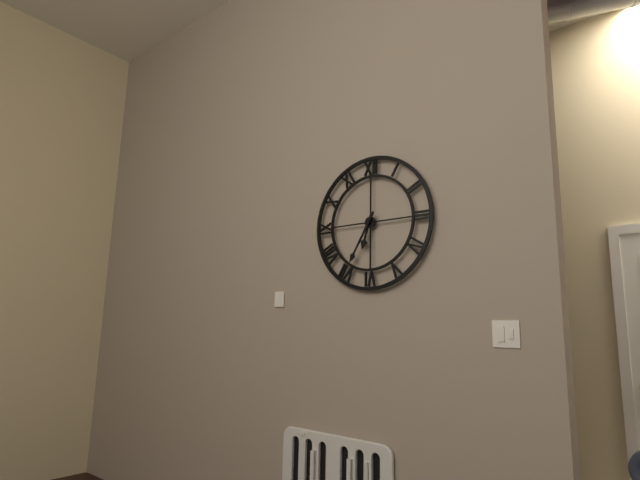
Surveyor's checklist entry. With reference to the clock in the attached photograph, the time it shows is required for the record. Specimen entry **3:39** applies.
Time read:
**6:35**
